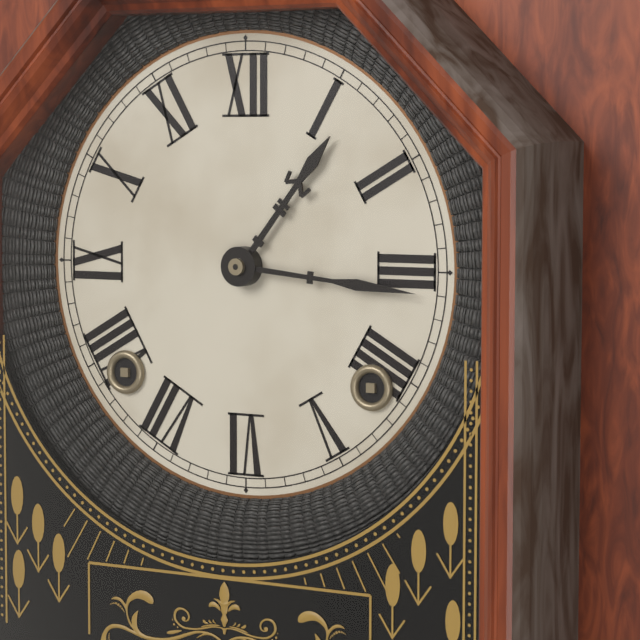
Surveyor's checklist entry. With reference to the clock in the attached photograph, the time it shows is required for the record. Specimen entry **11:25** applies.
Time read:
**1:16**
